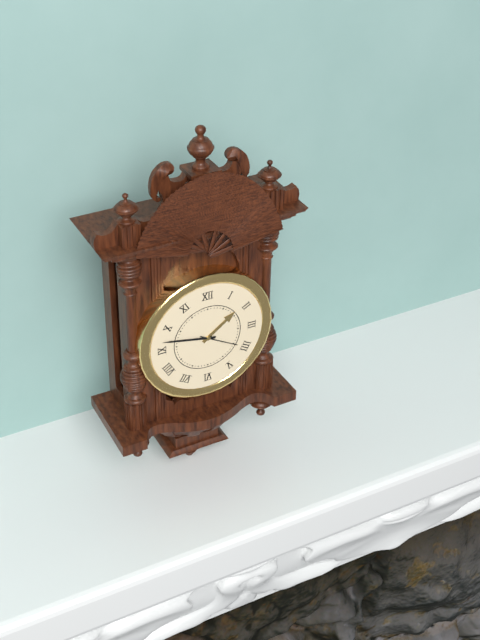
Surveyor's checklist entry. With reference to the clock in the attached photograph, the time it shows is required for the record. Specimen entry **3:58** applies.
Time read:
**1:47**
